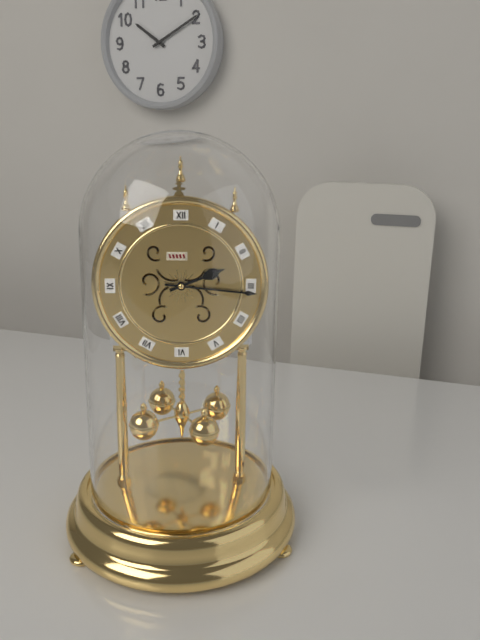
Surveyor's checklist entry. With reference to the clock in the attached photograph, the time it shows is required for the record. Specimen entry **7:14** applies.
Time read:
**2:16**
